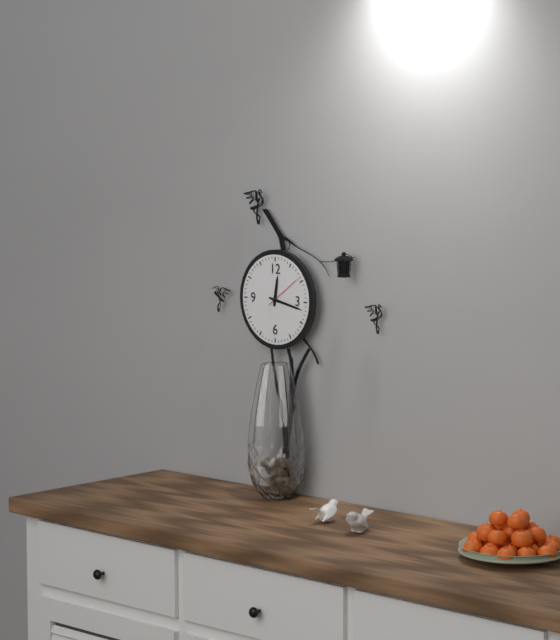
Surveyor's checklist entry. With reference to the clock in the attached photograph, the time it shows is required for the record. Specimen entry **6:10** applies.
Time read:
**12:17**
